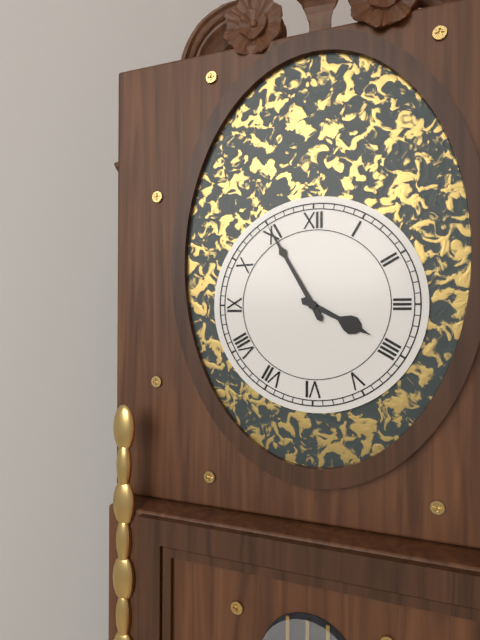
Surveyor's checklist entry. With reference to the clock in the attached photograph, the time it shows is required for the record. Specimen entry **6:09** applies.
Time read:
**3:55**
